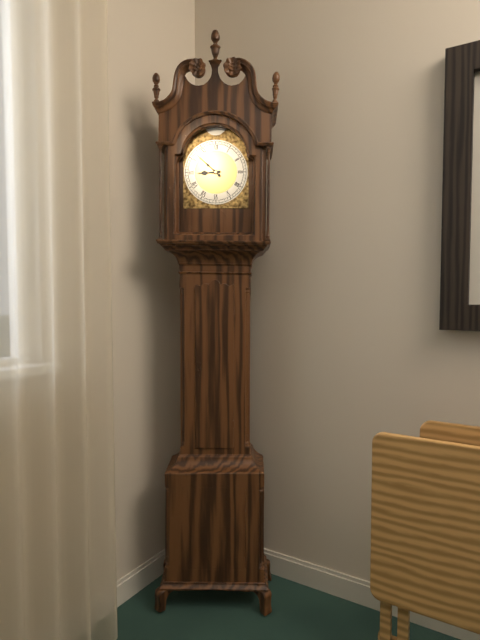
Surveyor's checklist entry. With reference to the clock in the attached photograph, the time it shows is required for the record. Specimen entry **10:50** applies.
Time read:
**8:52**
